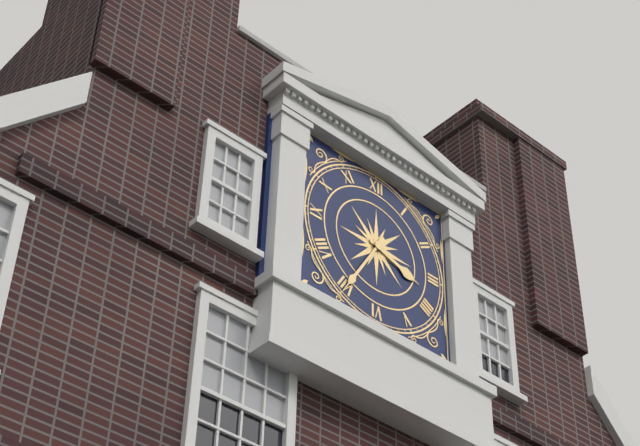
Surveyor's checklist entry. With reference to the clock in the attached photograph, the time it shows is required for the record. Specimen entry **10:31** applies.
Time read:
**3:35**
